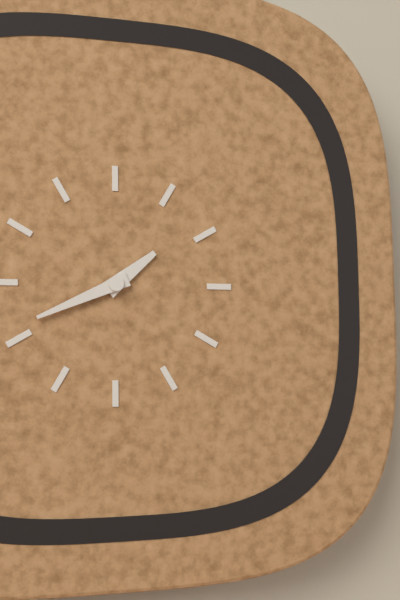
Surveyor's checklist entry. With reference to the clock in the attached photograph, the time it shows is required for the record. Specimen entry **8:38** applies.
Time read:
**1:41**
